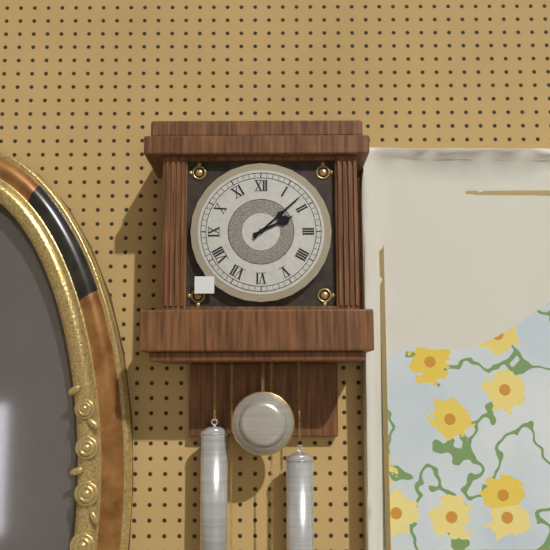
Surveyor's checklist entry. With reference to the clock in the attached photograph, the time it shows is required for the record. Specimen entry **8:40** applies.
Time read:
**2:08**
